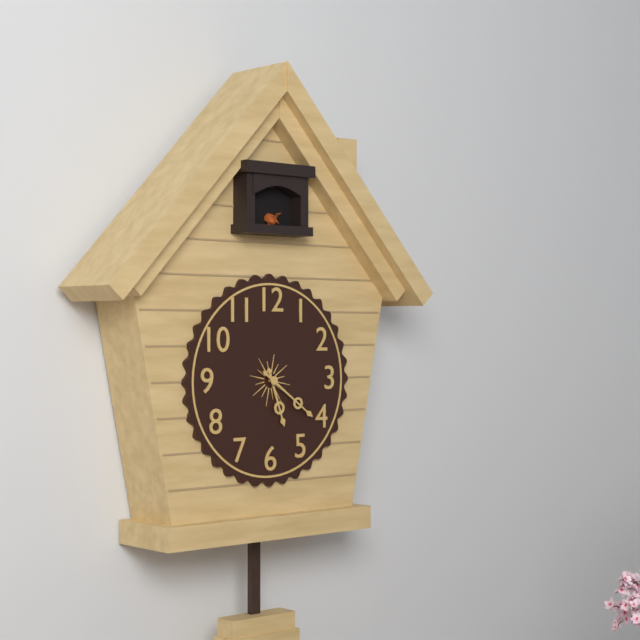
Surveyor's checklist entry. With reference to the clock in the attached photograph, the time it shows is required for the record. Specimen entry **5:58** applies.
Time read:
**5:21**
